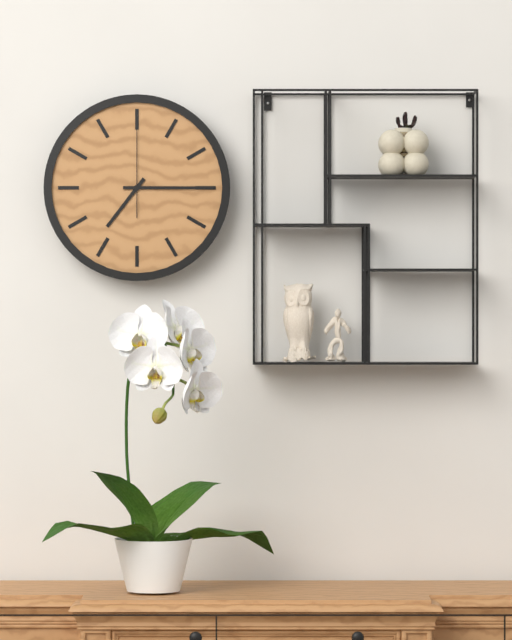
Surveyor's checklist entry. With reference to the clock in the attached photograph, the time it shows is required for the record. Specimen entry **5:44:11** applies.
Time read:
**7:15:00**
